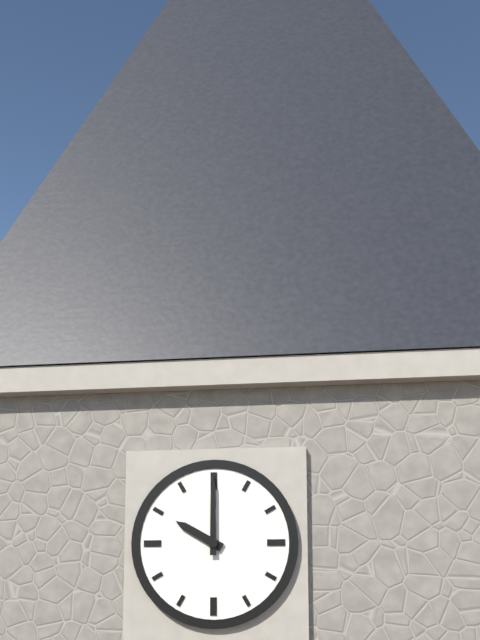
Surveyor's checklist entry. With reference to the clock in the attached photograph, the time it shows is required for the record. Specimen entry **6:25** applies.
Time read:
**10:00**
